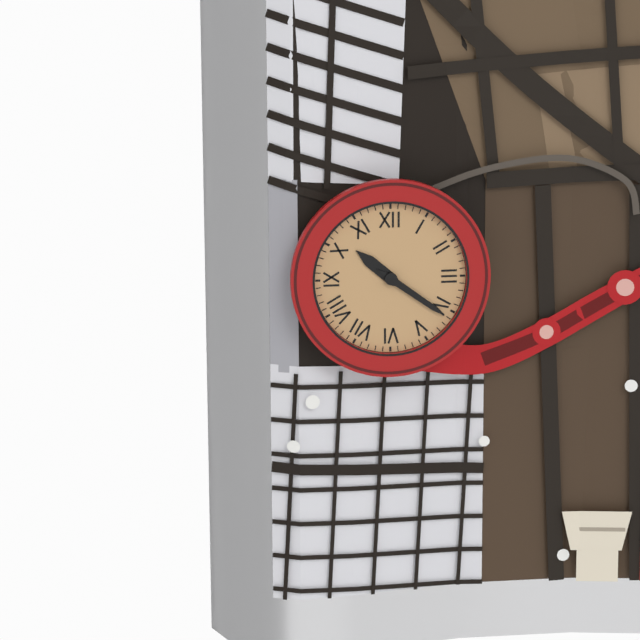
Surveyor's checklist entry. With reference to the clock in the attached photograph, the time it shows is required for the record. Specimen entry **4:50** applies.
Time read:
**10:21**
